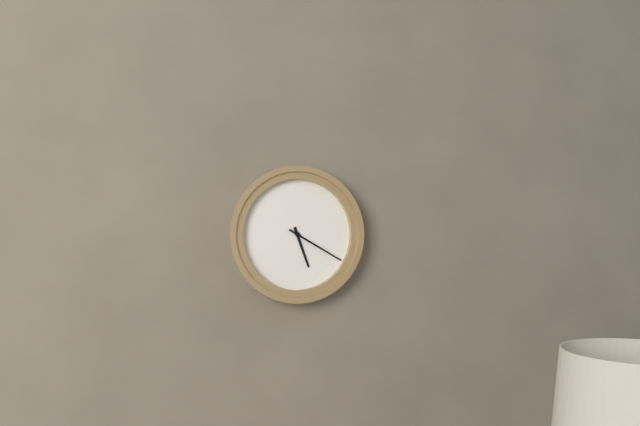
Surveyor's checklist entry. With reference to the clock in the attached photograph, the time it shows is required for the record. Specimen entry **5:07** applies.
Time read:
**5:20**
